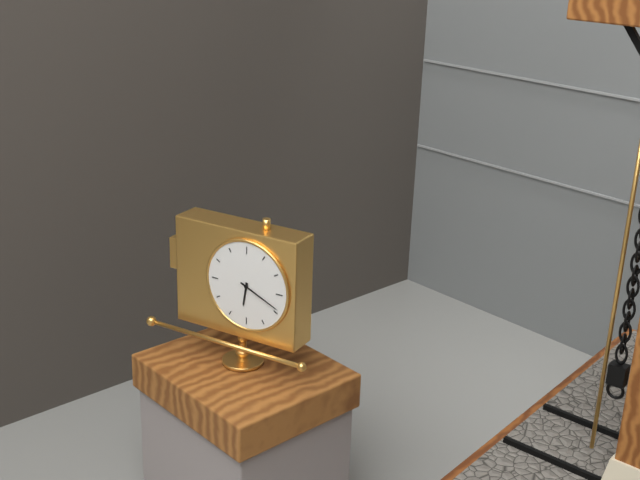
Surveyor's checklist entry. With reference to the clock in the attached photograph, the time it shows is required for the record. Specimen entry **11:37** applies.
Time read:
**6:19**
